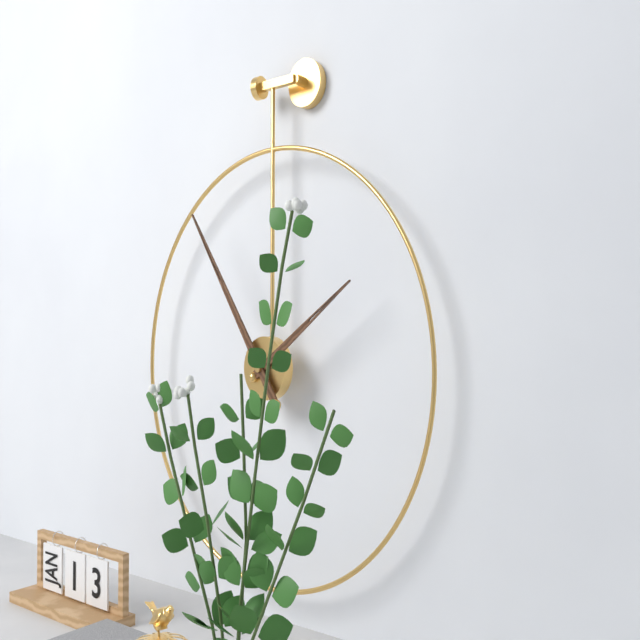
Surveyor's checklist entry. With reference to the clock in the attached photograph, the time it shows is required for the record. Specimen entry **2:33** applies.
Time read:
**1:54**
